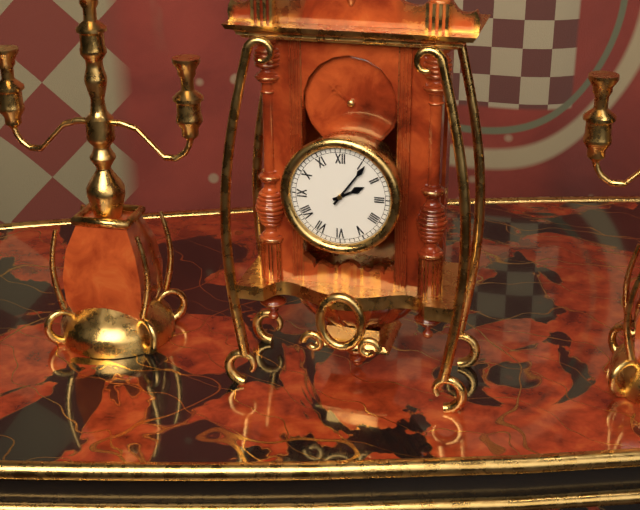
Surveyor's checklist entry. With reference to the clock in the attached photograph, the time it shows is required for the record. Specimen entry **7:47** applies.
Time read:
**2:06**
